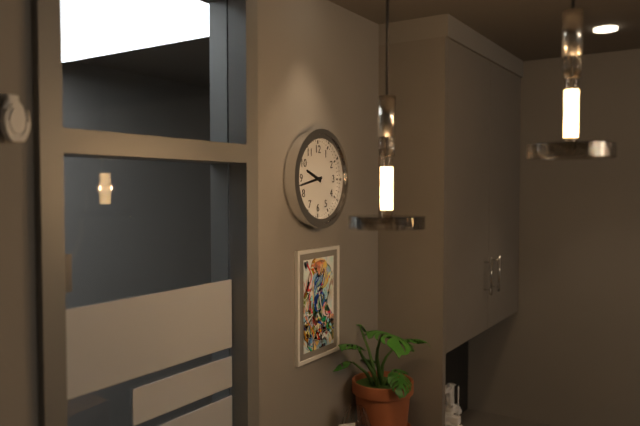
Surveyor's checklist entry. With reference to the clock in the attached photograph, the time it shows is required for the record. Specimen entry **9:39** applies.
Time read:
**9:43**
